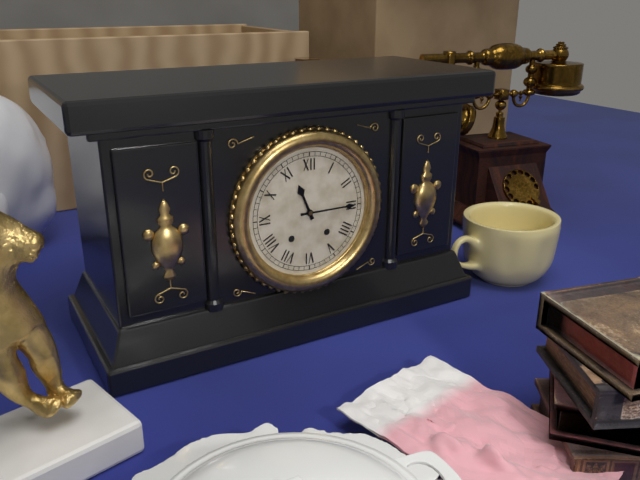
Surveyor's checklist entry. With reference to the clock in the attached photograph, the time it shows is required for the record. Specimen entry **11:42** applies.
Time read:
**11:15**
